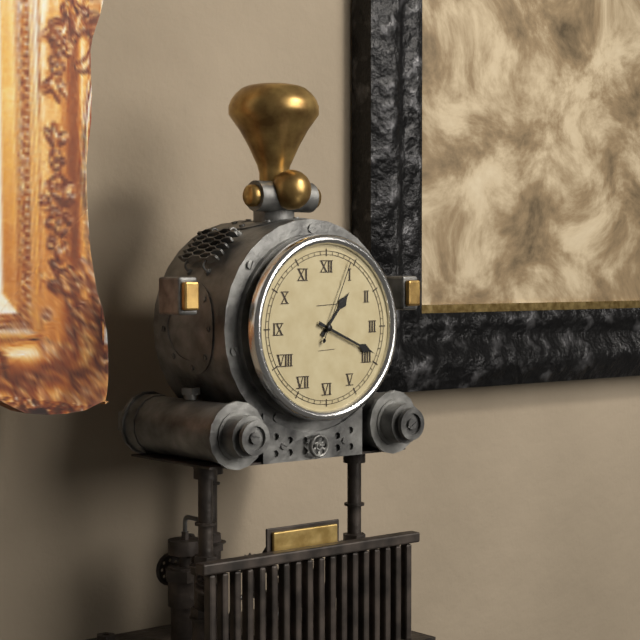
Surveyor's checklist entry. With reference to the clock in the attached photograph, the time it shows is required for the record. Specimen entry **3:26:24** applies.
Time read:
**1:19:04**
